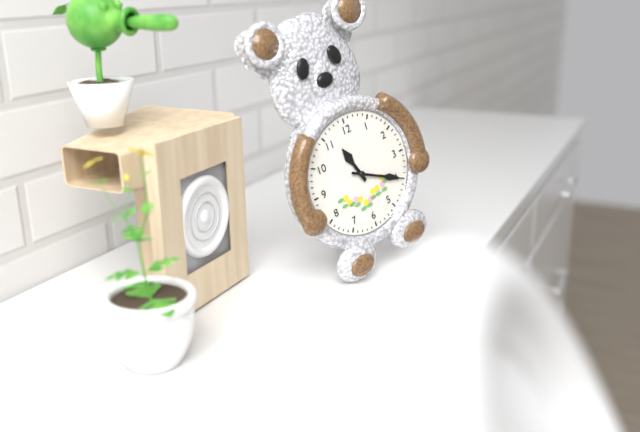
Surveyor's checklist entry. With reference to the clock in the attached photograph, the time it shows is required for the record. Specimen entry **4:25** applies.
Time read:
**11:20**
